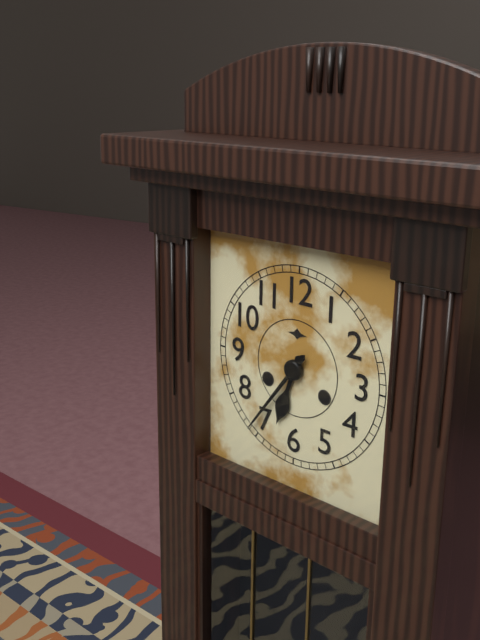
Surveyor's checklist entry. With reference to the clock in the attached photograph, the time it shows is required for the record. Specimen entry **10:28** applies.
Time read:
**6:36**
